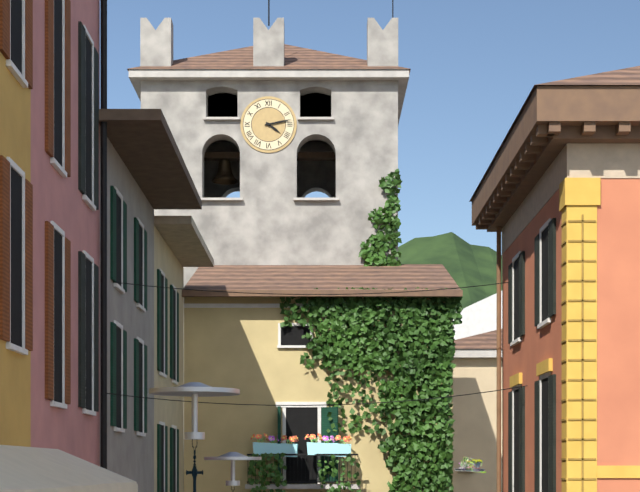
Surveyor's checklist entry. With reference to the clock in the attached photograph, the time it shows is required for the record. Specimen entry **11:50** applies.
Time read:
**4:13**
